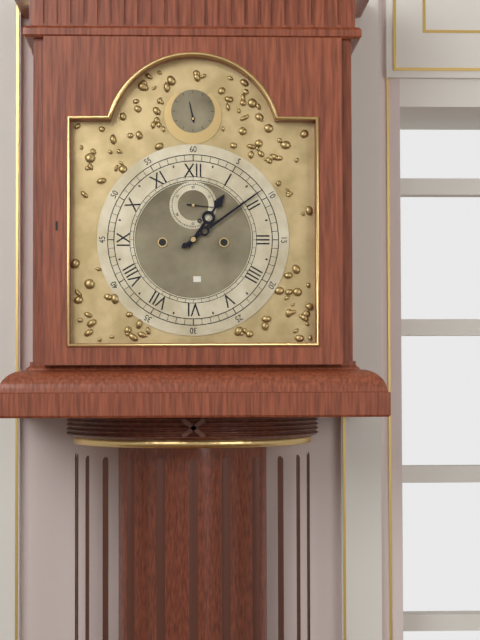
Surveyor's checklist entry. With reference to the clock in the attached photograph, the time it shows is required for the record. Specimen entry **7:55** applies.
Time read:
**1:09**
